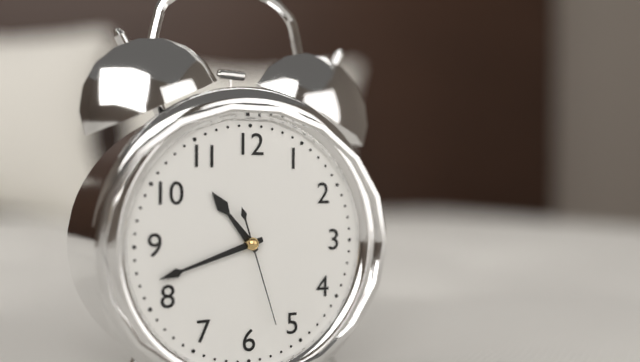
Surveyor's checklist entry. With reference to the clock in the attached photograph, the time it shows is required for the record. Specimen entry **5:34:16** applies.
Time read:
**10:42:27**
